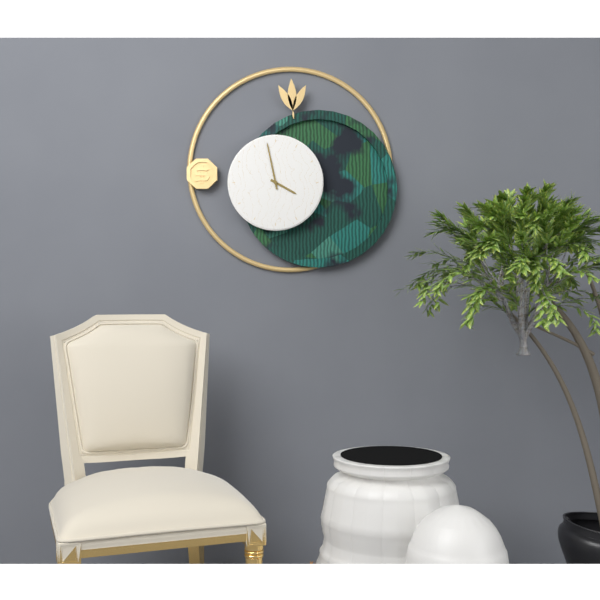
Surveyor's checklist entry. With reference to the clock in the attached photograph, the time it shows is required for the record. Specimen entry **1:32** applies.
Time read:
**3:58**
